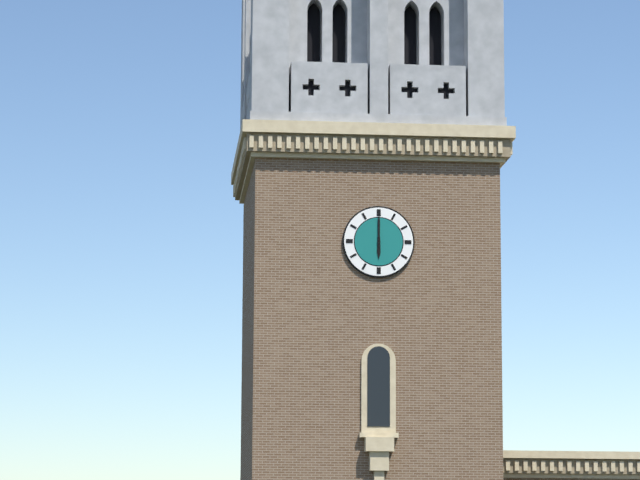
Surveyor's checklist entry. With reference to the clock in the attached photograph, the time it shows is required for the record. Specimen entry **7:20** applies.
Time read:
**6:00**
